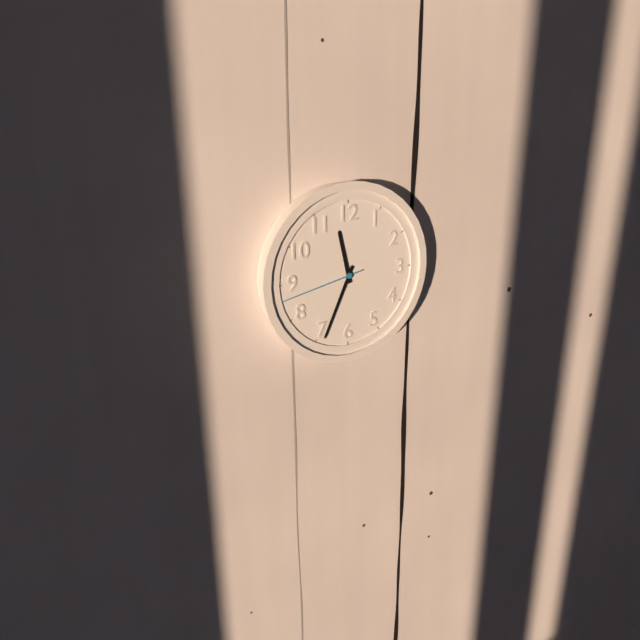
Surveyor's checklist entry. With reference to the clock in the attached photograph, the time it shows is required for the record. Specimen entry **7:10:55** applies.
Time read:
**11:34:43**
